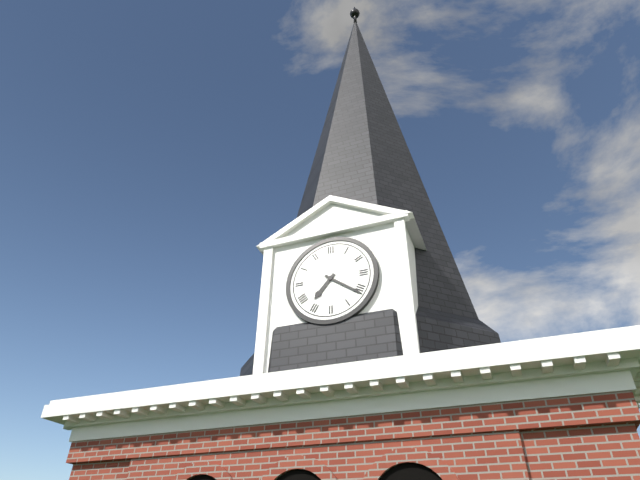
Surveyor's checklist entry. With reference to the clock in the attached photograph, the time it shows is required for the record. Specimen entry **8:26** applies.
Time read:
**7:21**
